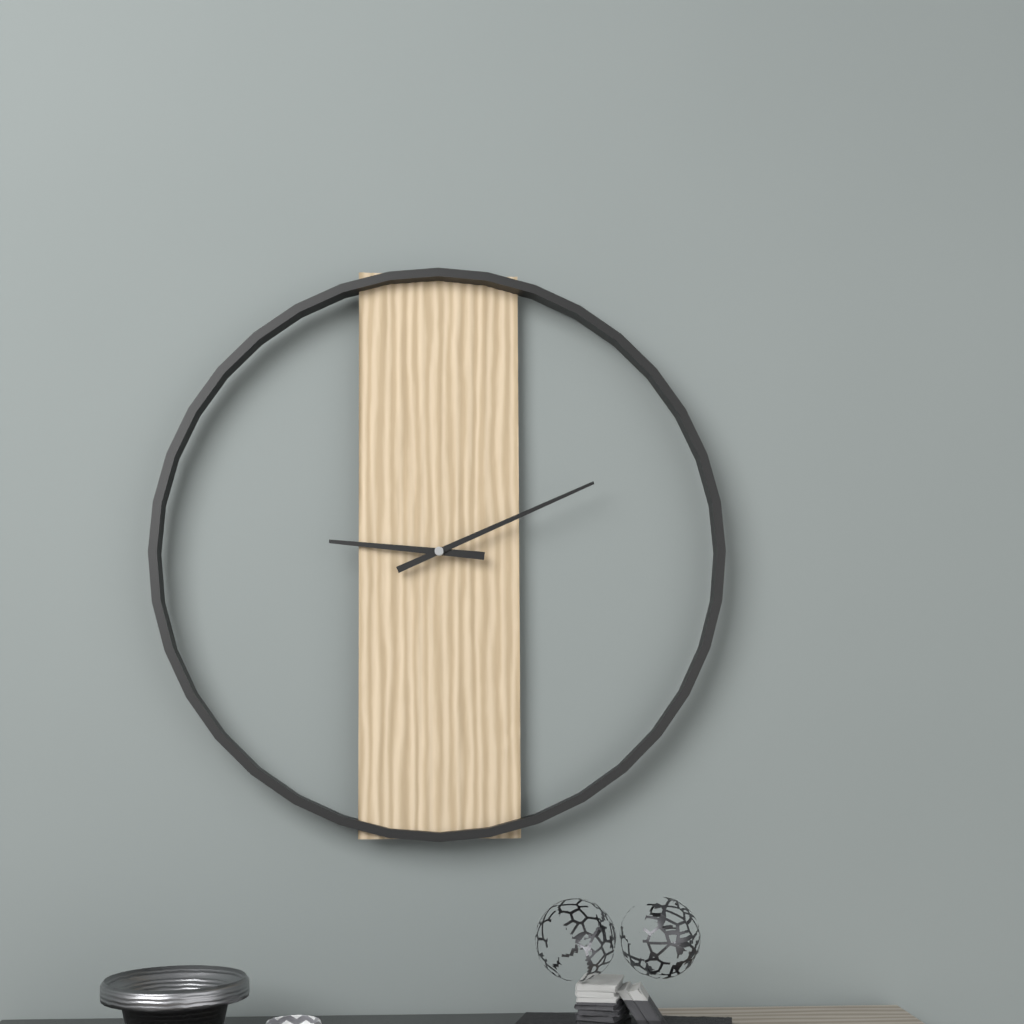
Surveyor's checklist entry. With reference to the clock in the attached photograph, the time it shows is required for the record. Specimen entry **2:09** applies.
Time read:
**9:11**
